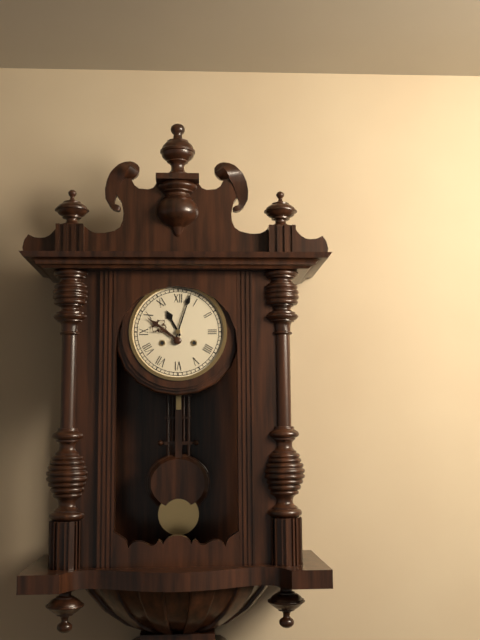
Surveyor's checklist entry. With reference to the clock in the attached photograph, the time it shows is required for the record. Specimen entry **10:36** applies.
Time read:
**11:03**
